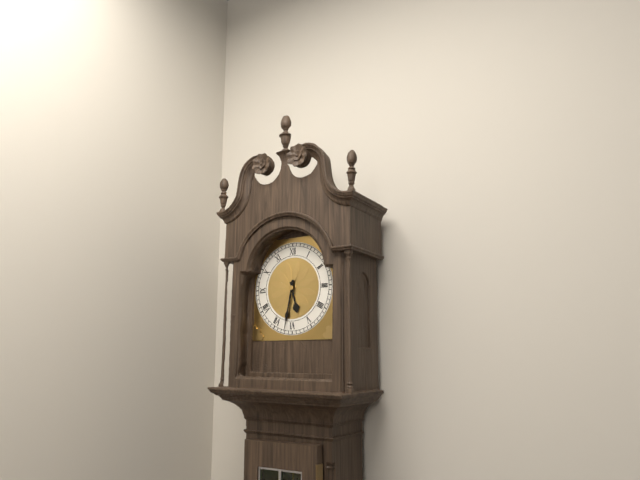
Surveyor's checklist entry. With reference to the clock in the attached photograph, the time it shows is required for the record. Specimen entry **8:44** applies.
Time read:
**5:32**
